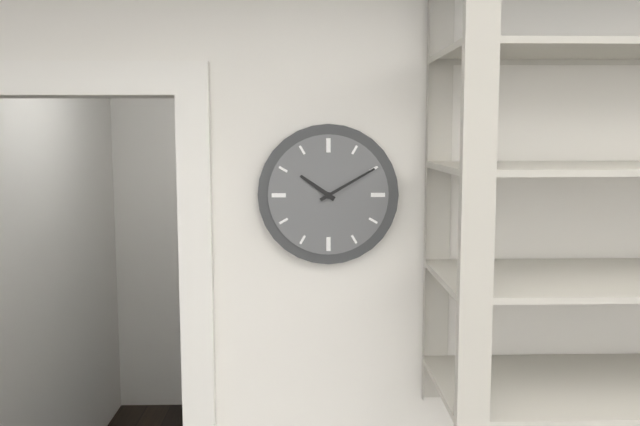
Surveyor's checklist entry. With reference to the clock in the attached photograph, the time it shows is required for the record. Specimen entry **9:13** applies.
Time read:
**10:10**
